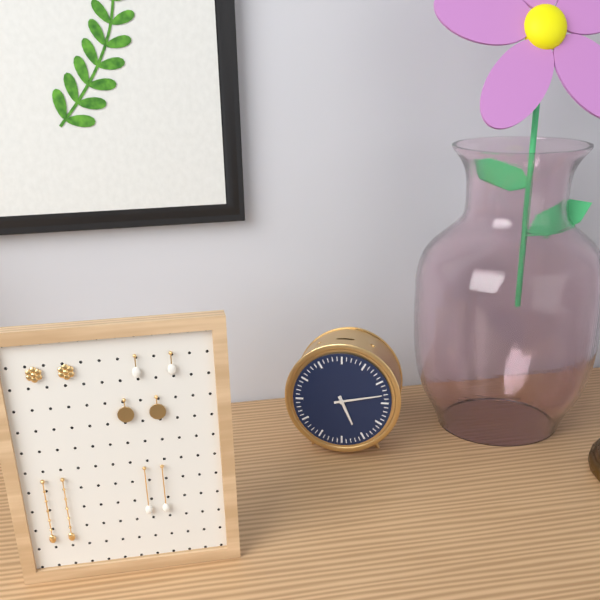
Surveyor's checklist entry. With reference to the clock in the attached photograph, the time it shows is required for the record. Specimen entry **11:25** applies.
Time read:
**5:13**
